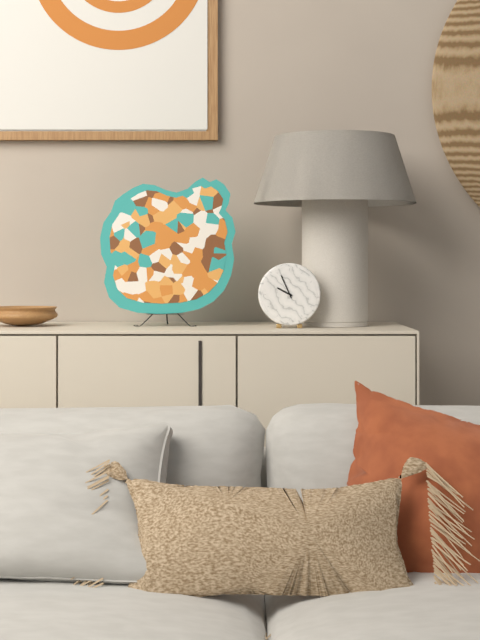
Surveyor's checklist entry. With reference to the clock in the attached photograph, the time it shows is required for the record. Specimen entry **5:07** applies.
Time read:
**9:56**
